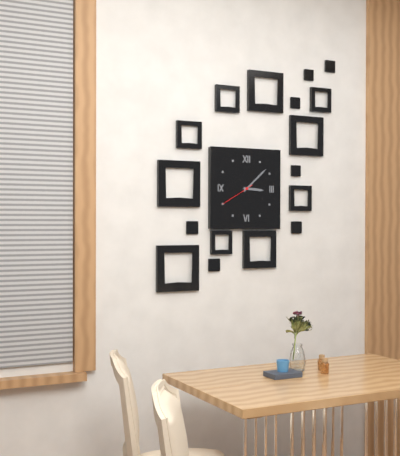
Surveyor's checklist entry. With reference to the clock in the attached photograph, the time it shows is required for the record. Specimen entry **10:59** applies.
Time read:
**3:08**
